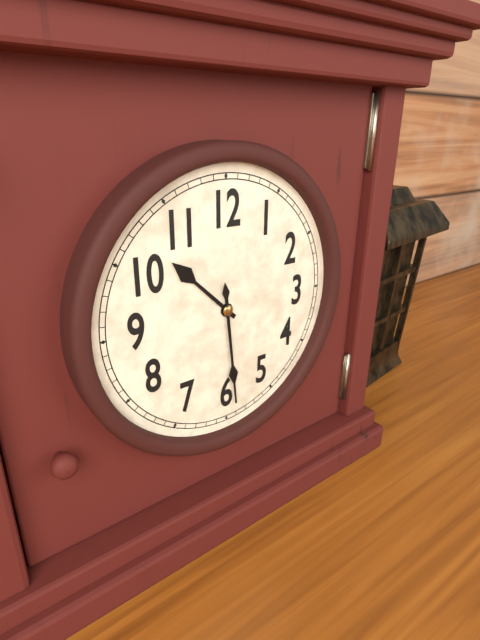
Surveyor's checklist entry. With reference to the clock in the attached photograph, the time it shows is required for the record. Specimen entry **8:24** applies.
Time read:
**10:29**
